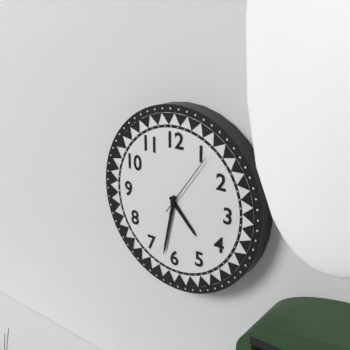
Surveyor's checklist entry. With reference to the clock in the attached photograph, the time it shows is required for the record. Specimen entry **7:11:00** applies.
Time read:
**4:32:06**
